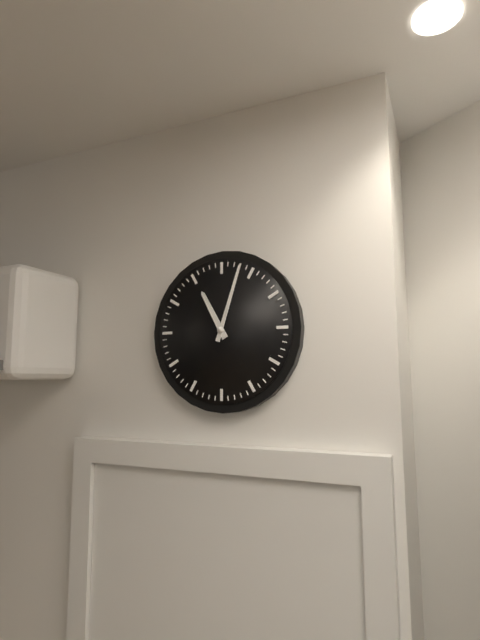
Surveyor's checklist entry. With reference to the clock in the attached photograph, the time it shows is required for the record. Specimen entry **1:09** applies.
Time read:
**11:03**
